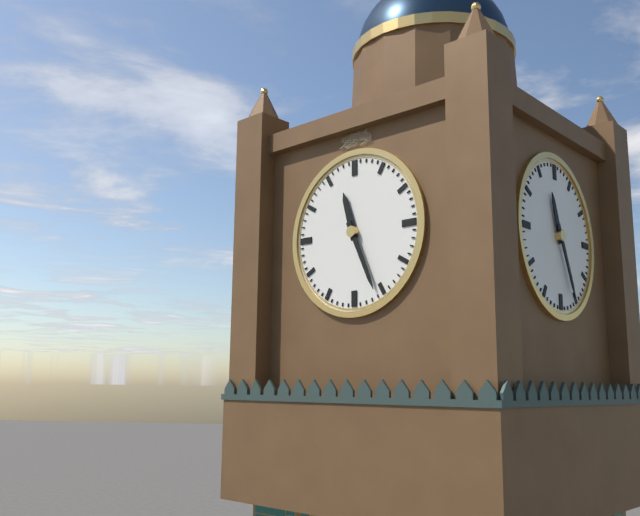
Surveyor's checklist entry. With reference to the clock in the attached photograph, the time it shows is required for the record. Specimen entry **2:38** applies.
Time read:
**11:26**
